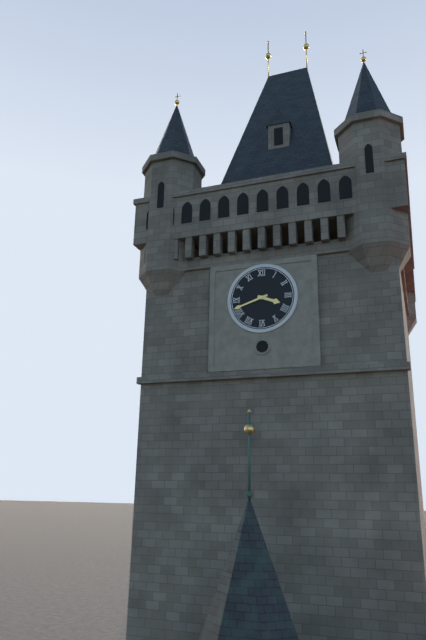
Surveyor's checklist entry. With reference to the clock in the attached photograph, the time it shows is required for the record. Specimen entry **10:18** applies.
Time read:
**3:42**
